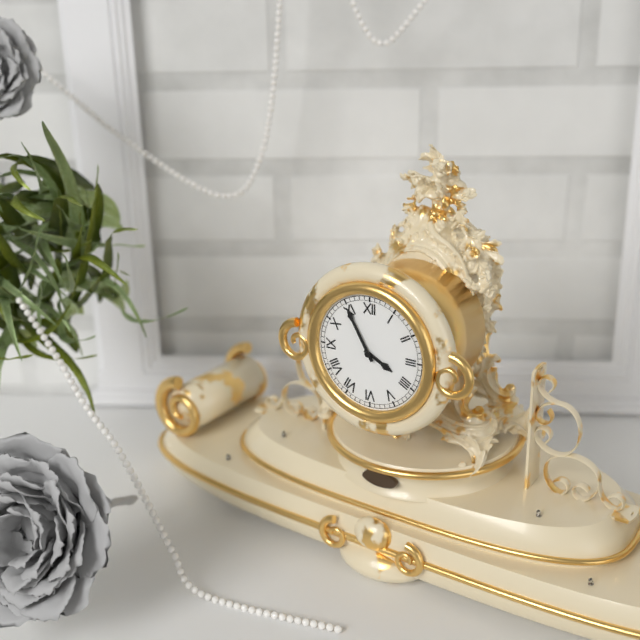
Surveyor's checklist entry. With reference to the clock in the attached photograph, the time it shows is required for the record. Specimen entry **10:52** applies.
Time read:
**3:55**
